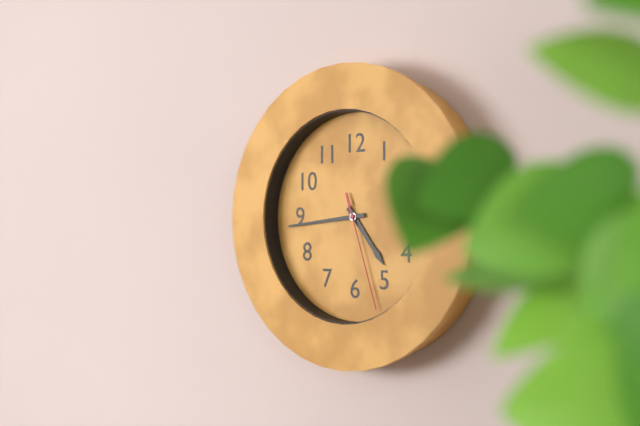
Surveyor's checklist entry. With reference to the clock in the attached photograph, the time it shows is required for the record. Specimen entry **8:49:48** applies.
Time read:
**4:44:27**
